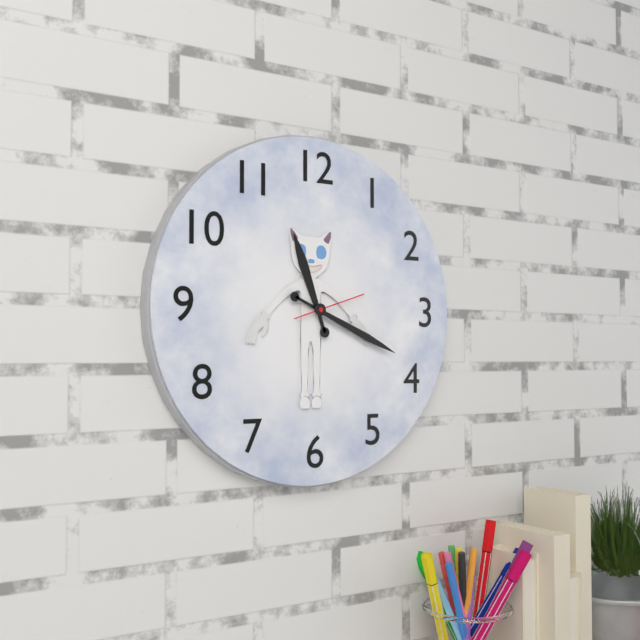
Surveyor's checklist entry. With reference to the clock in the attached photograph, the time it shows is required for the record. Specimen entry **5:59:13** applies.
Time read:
**11:19:12**
